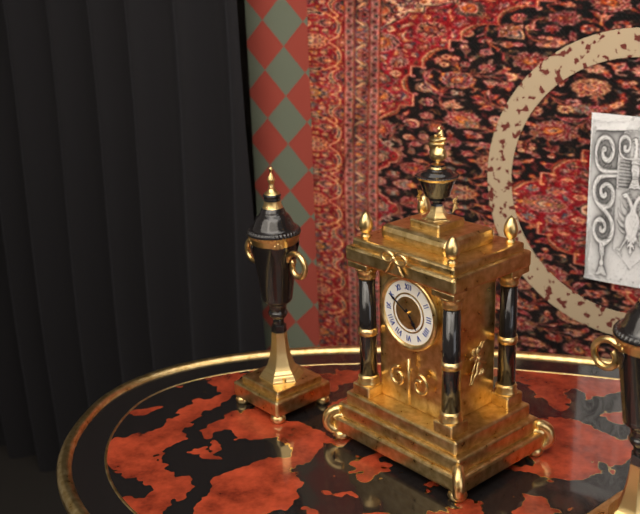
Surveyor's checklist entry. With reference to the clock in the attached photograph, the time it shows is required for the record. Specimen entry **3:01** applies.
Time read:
**4:50**
